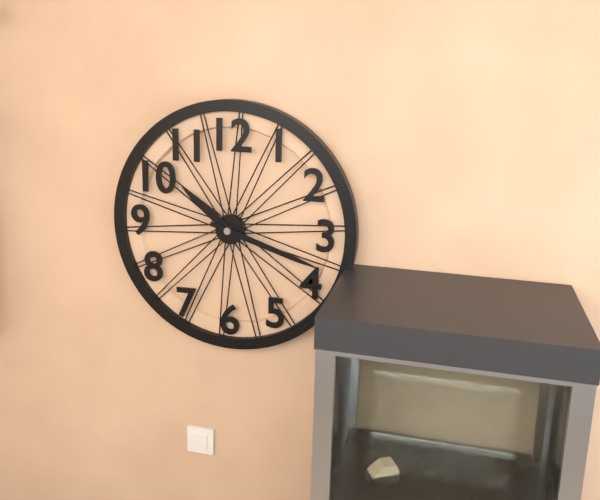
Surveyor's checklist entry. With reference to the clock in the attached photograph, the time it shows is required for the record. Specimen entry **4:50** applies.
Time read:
**10:18**
